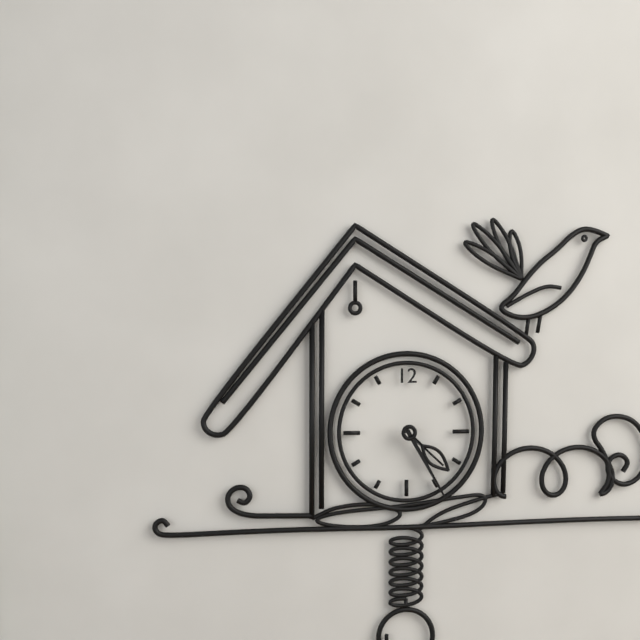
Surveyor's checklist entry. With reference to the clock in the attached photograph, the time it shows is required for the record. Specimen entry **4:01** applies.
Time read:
**4:25**
